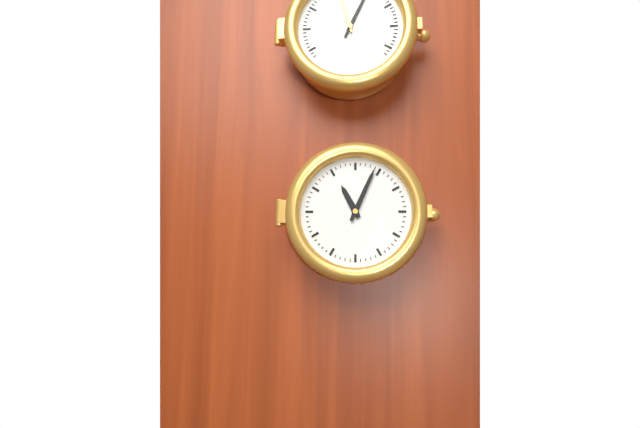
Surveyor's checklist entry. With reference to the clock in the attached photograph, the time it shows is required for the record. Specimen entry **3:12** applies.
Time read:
**11:04**
